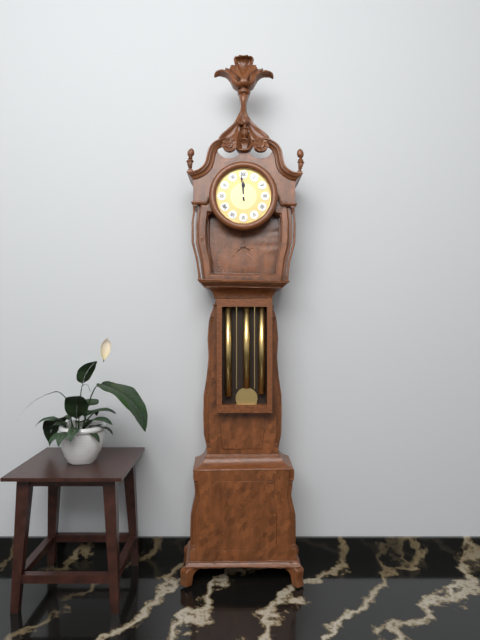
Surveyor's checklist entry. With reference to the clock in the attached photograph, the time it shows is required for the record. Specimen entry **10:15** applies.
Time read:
**11:59**
